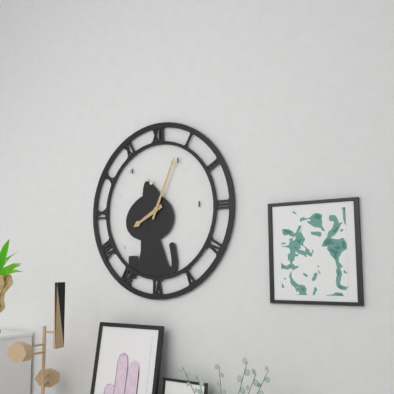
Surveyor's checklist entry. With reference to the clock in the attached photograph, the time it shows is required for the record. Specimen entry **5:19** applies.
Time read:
**8:04**
